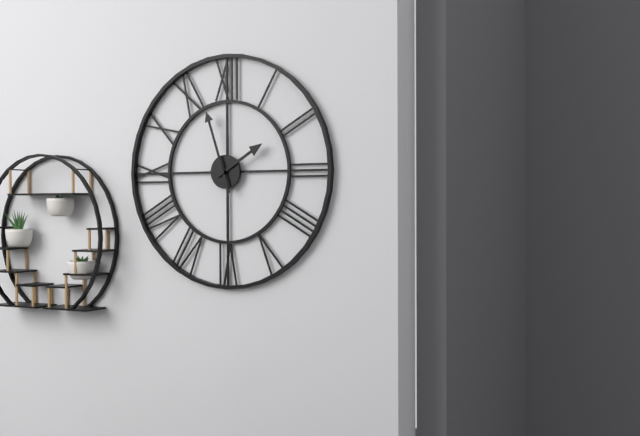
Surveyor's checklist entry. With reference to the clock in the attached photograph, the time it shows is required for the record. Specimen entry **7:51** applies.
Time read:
**1:57**
